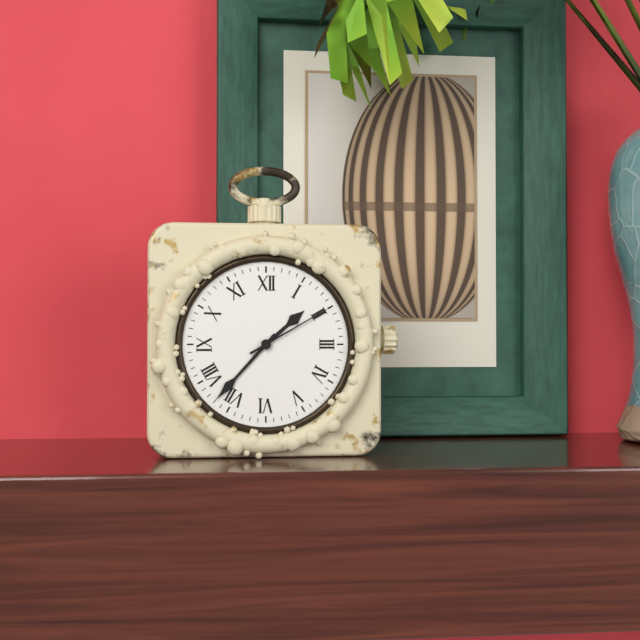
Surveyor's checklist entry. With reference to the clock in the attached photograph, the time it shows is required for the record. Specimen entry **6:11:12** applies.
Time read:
**1:37:10**
